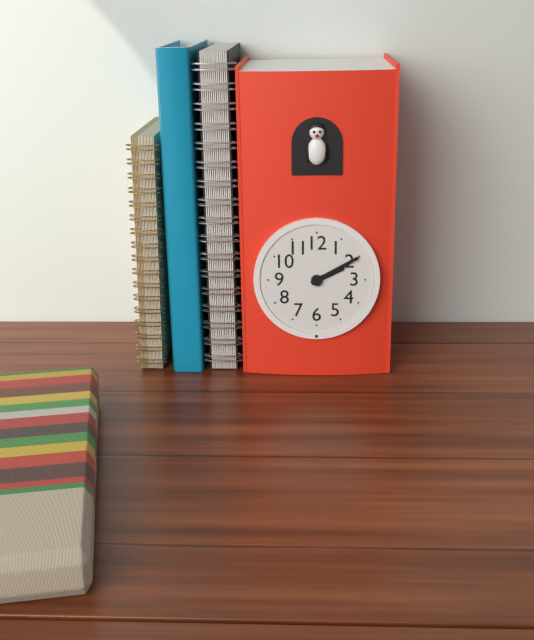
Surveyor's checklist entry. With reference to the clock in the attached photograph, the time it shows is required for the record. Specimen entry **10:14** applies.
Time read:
**2:10**
